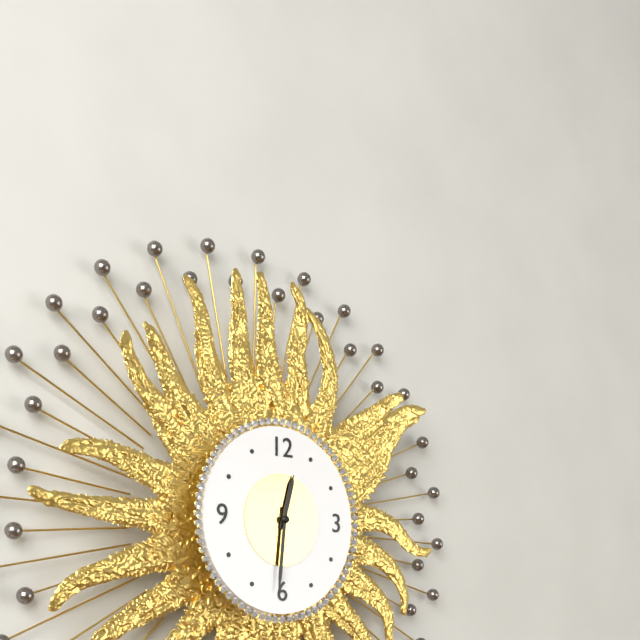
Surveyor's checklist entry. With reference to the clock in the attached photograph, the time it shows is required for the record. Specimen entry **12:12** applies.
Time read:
**12:31**
